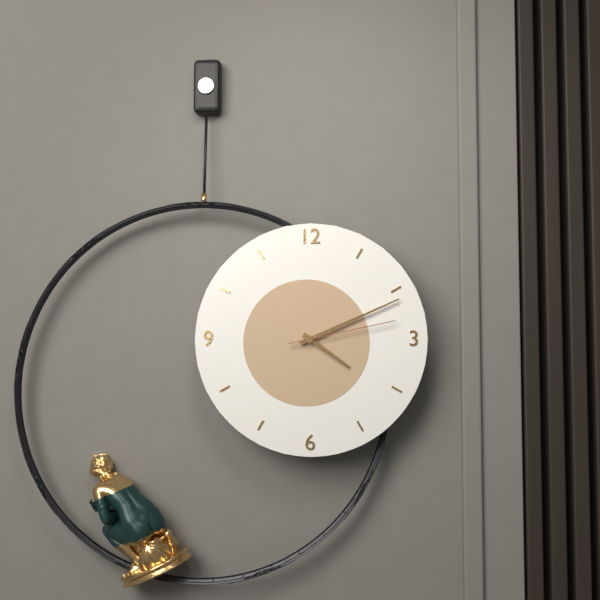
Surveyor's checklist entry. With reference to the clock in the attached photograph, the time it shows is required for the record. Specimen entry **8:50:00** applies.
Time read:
**4:11:13**
